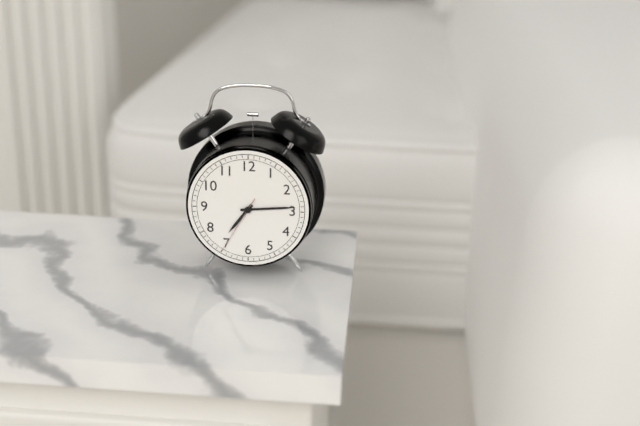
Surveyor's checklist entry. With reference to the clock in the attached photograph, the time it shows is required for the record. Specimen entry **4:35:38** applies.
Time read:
**7:14:35**
